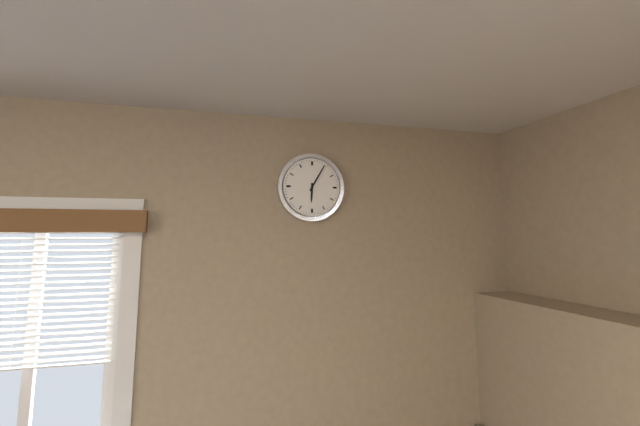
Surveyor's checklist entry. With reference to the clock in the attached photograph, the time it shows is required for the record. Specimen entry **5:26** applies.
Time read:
**6:05**
